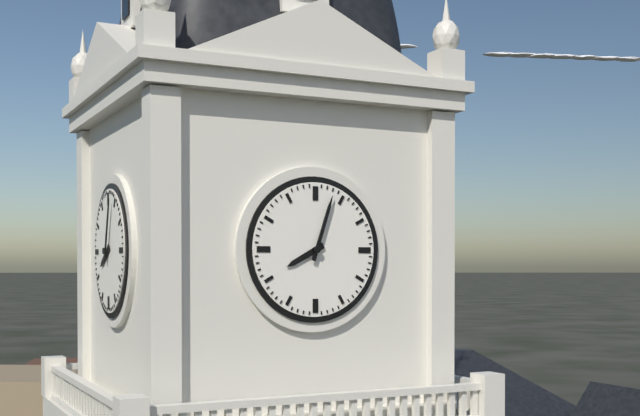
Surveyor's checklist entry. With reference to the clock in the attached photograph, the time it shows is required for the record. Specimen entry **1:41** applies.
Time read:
**8:03**
